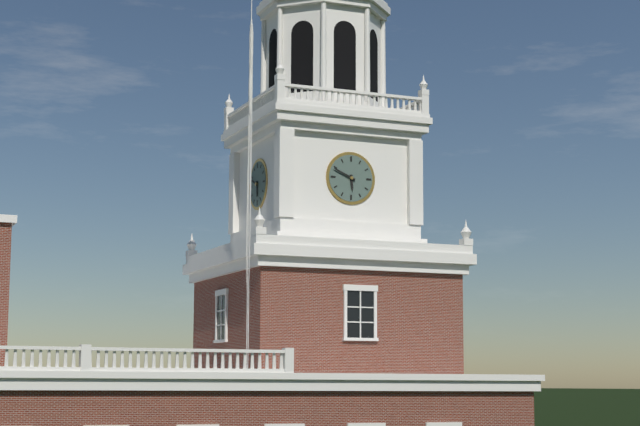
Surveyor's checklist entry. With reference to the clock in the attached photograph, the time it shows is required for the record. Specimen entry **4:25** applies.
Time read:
**5:49**
